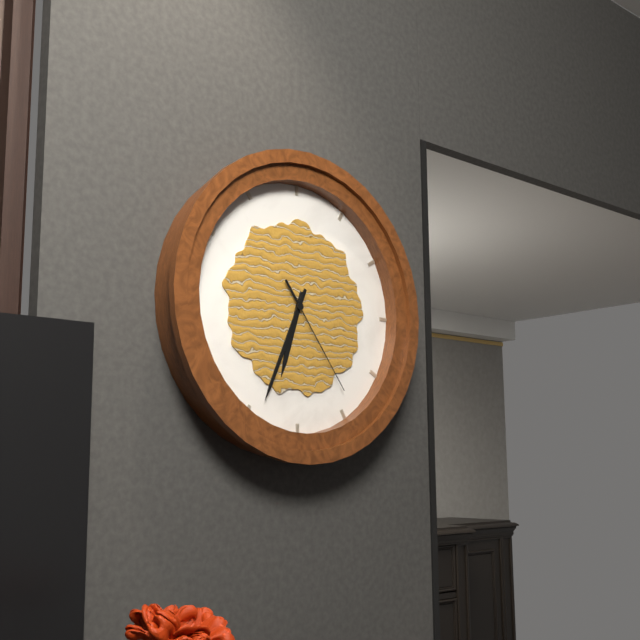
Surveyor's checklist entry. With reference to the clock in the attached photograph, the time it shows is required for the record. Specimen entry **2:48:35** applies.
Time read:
**6:34:24**
